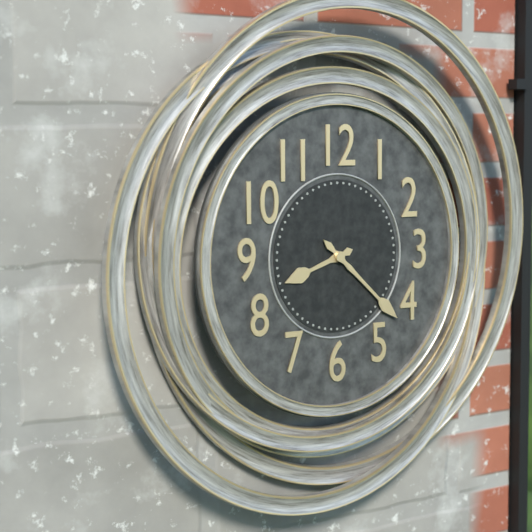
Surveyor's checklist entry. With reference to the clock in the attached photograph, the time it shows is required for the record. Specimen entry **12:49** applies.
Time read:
**8:22**
